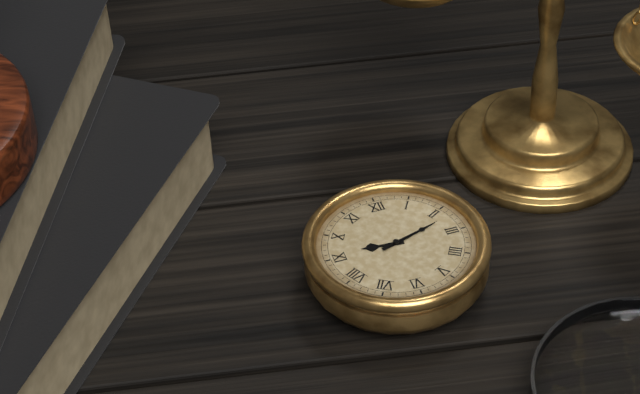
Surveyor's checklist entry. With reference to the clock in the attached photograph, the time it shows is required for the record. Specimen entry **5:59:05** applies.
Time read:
**9:12:12**
